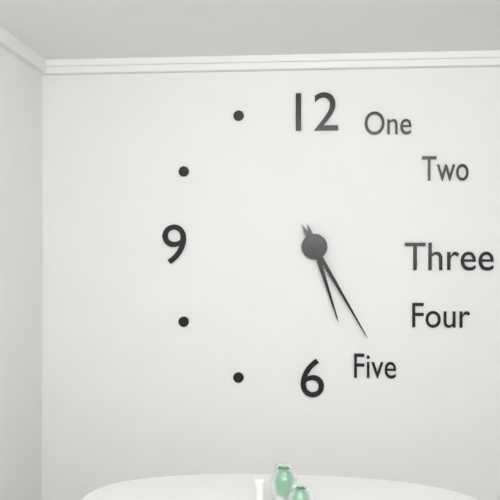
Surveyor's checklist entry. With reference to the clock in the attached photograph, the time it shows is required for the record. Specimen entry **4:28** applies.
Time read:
**5:25**
